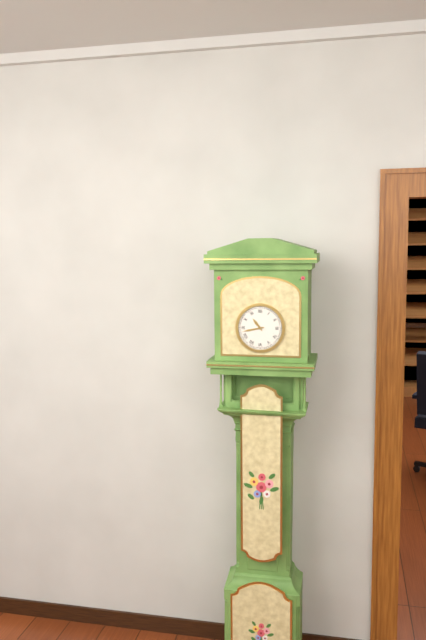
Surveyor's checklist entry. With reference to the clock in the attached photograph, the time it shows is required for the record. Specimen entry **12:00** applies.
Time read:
**10:43**
